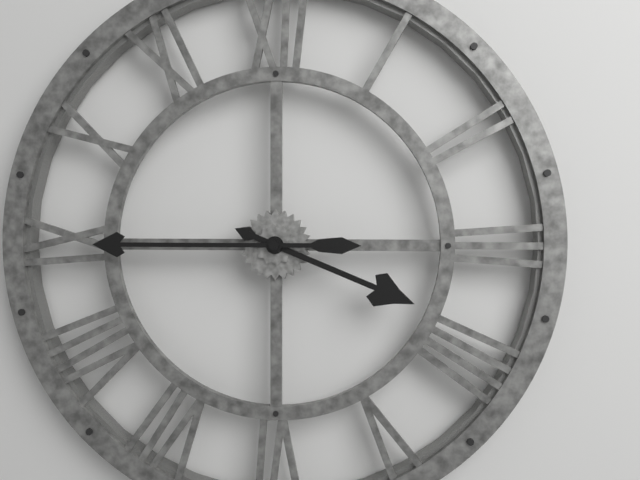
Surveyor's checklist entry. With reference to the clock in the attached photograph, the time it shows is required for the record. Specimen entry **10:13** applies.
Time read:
**3:45**
